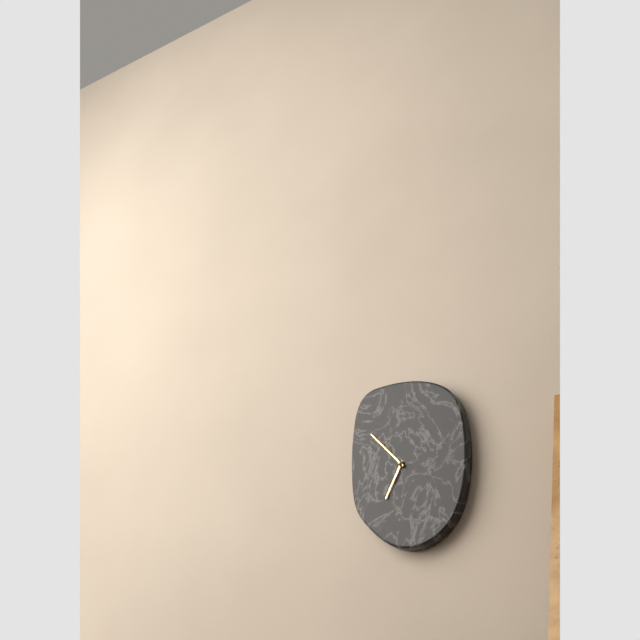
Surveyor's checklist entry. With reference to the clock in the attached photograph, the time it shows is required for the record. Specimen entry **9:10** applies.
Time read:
**6:53**
